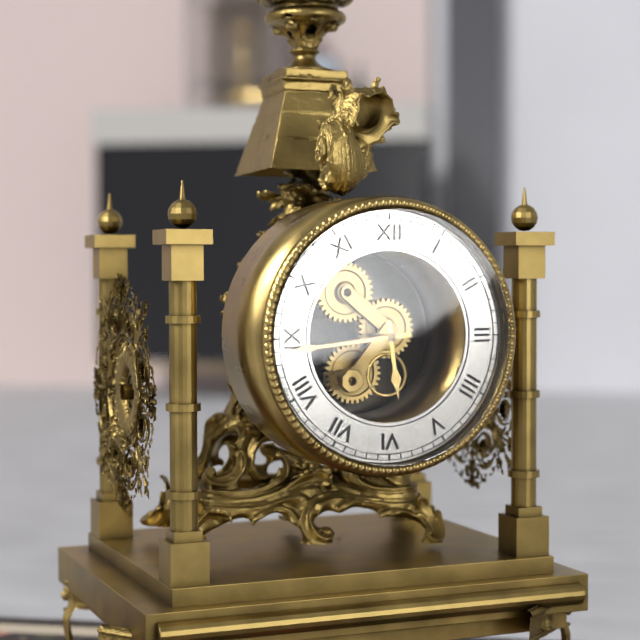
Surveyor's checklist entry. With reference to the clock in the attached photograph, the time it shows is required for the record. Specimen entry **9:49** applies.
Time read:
**5:44**
